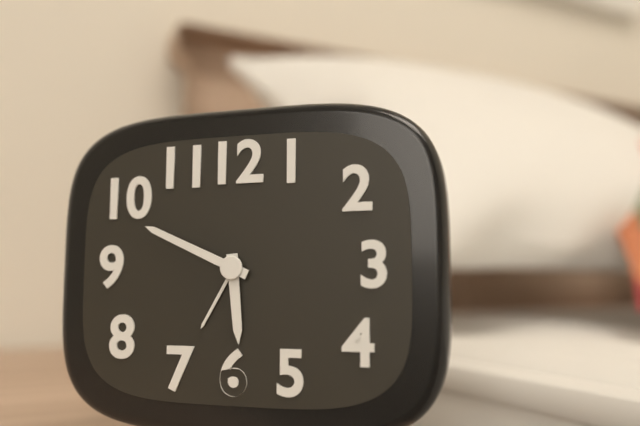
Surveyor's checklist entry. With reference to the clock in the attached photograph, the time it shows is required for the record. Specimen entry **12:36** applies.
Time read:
**5:49**
